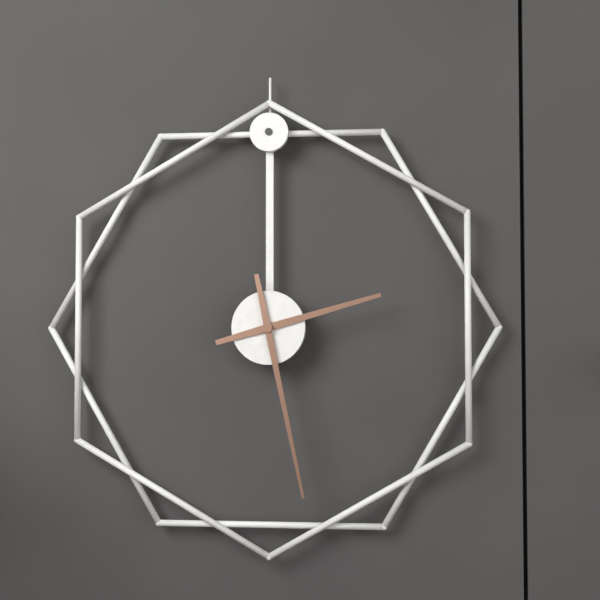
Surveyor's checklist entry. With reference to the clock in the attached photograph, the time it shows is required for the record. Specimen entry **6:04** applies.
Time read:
**2:28**
